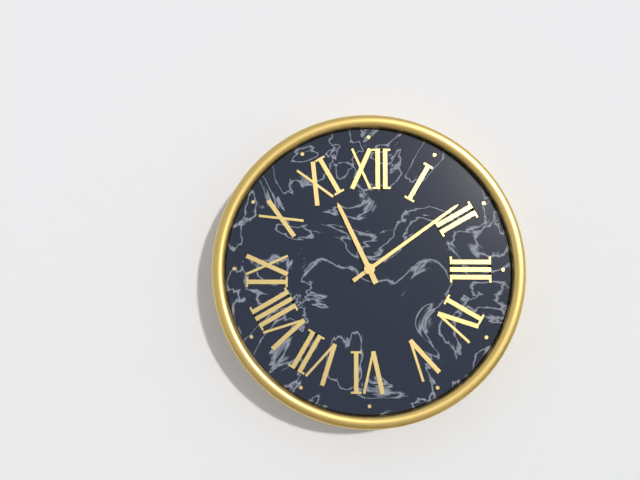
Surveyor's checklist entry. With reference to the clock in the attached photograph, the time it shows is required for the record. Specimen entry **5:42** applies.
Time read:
**11:09**
